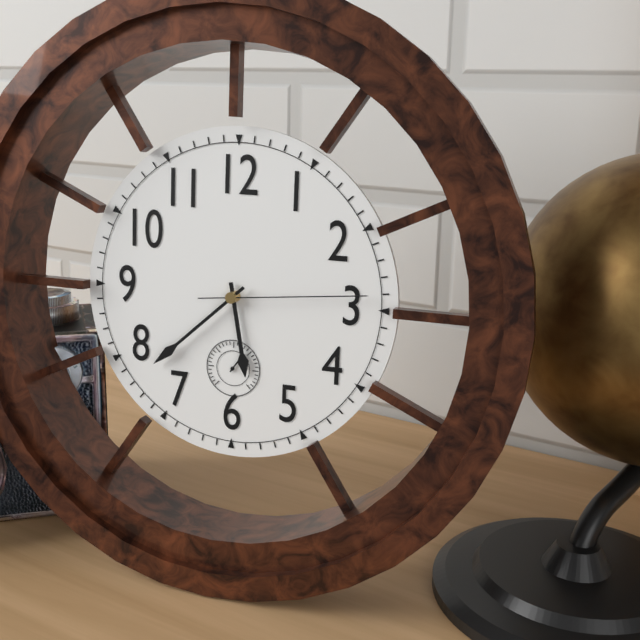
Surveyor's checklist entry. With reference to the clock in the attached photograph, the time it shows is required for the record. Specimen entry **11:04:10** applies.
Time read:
**5:38:14**
